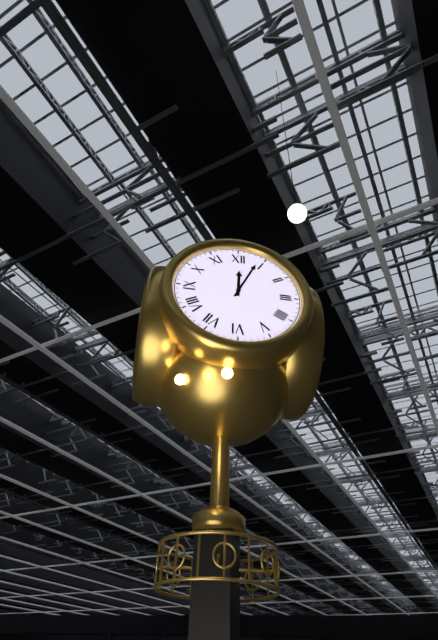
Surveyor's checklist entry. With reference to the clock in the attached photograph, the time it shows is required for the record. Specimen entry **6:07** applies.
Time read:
**12:04**
